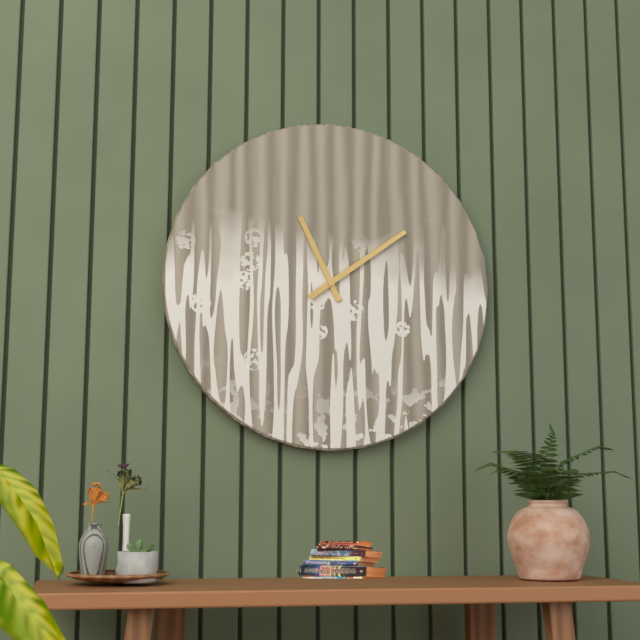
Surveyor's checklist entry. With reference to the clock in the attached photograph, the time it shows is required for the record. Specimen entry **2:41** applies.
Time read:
**11:09**
